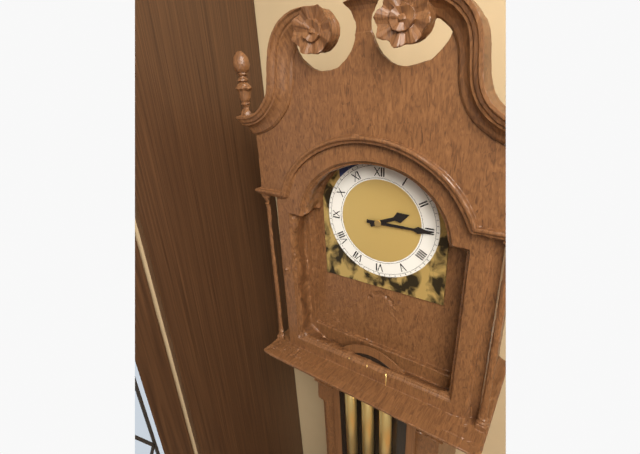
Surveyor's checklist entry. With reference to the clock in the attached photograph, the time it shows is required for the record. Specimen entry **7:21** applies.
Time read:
**2:15**
